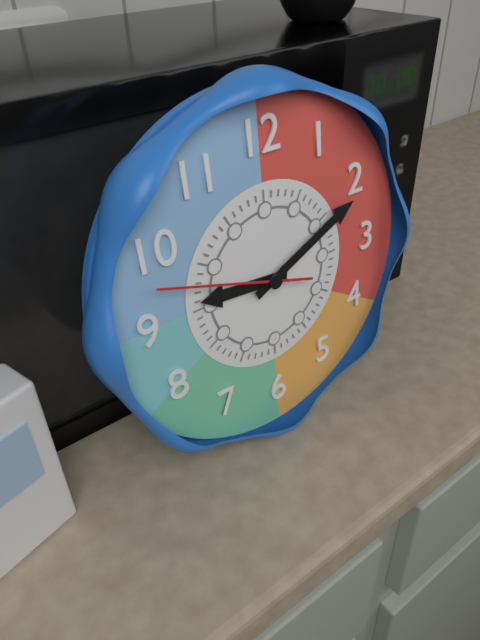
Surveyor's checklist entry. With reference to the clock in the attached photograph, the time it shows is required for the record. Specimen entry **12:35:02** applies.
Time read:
**9:11:48**
